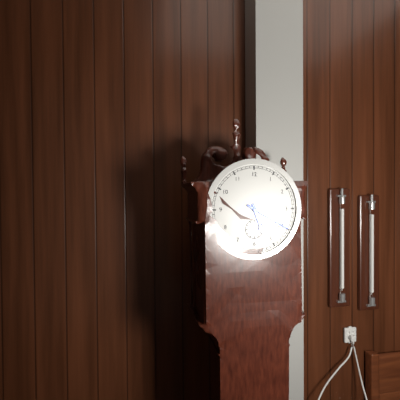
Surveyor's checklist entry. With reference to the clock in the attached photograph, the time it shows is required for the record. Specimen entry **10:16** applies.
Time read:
**5:20**
